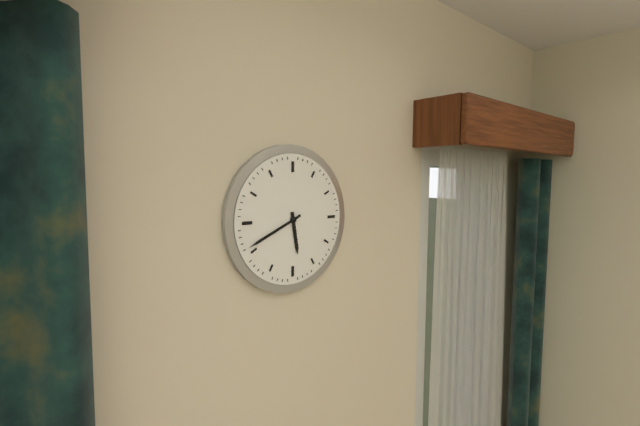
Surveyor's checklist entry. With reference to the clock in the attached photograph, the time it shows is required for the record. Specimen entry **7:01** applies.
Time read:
**5:41**
